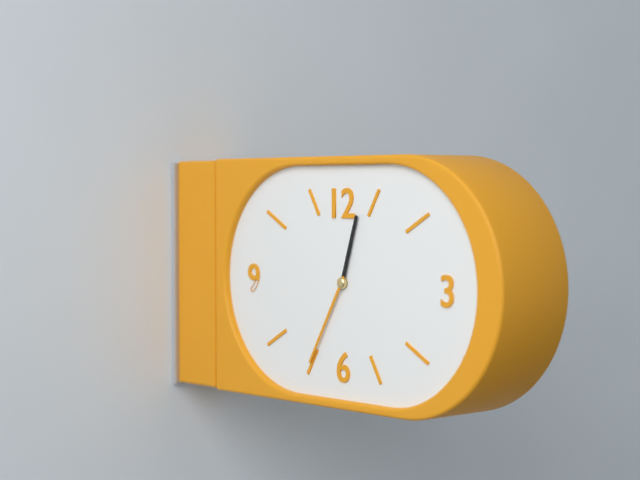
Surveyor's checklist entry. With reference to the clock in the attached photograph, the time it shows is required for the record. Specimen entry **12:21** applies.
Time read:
**12:35**
